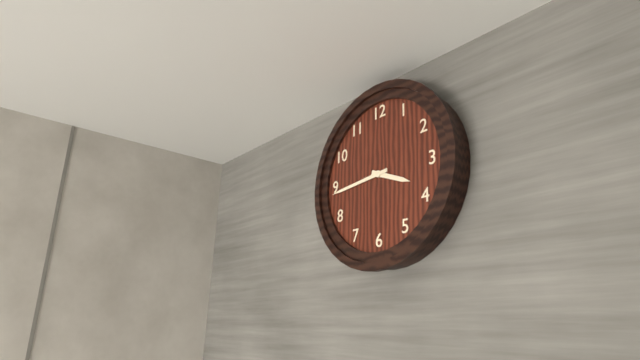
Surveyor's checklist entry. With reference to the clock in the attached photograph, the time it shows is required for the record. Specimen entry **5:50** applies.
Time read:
**3:44**
